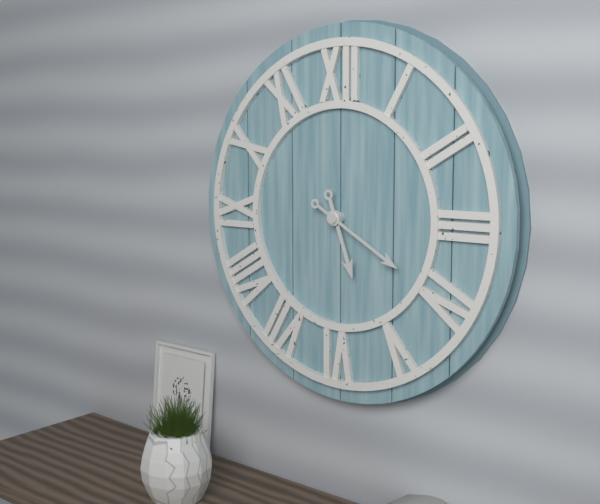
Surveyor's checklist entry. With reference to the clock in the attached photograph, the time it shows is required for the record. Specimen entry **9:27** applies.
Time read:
**5:20**
